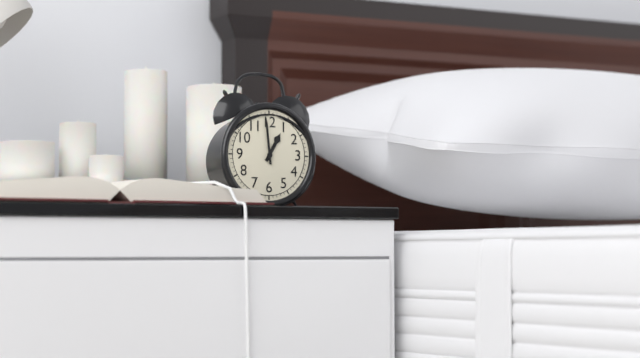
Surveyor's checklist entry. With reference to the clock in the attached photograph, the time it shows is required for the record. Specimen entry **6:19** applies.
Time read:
**12:59**
